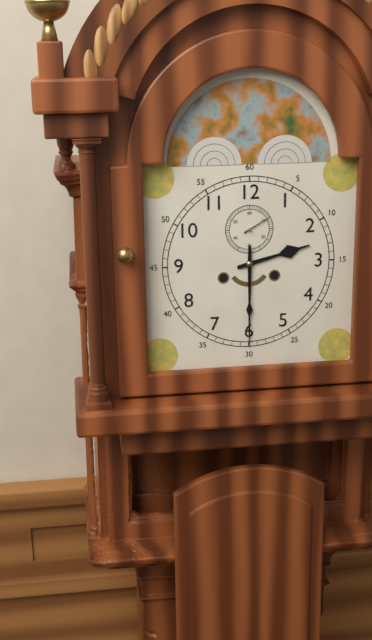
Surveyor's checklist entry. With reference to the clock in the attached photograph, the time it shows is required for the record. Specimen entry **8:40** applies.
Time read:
**2:30**
